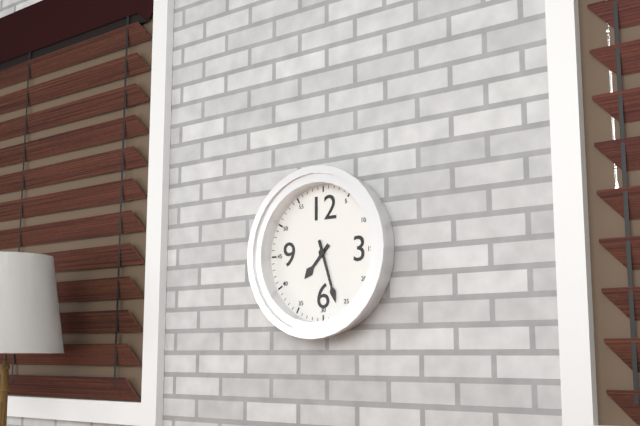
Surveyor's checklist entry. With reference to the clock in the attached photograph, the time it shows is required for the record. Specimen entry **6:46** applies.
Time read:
**7:27**
